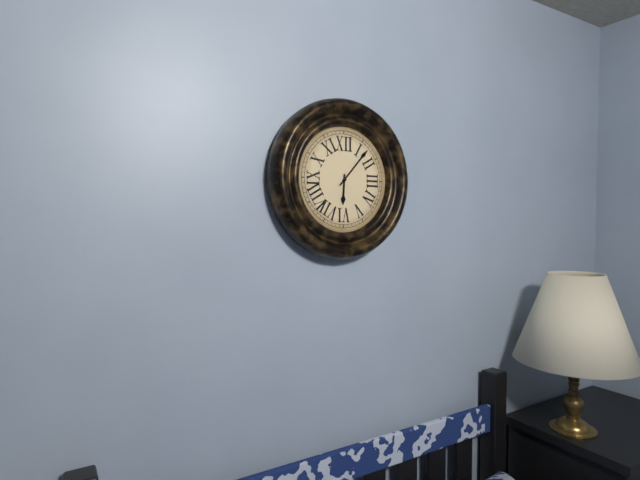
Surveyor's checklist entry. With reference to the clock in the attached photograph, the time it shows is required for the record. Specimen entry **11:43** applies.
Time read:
**6:07**
